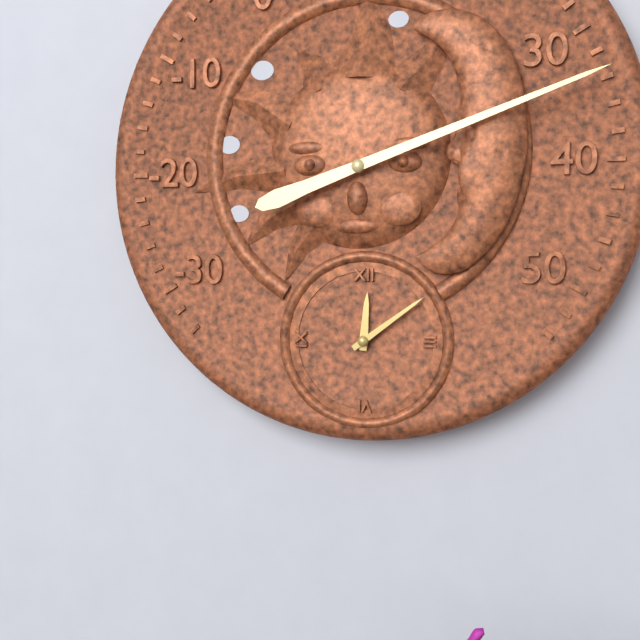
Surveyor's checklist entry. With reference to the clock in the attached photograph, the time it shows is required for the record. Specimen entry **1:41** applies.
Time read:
**12:09**
